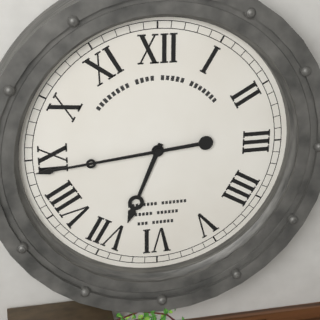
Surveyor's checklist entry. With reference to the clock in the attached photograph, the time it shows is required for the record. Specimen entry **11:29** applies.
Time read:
**6:44**
